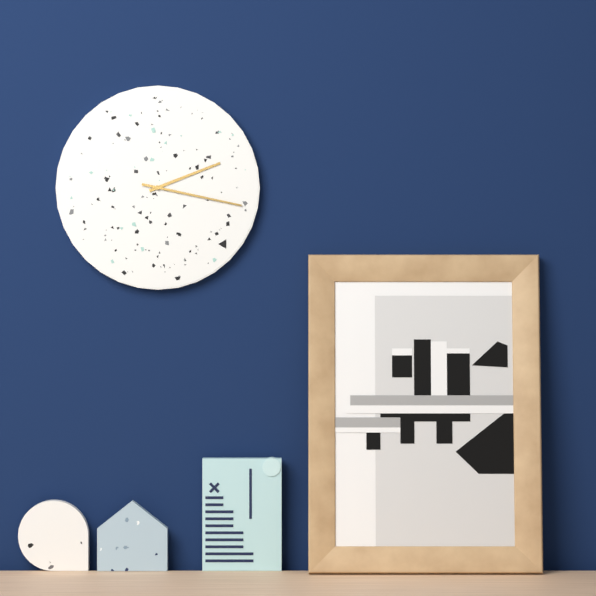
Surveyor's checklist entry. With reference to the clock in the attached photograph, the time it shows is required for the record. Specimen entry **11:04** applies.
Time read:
**2:17**
